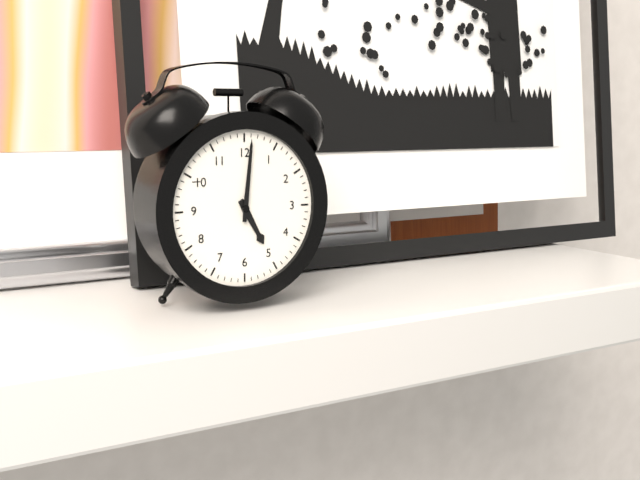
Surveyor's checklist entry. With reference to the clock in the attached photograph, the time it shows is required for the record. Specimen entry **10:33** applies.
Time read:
**5:01**
